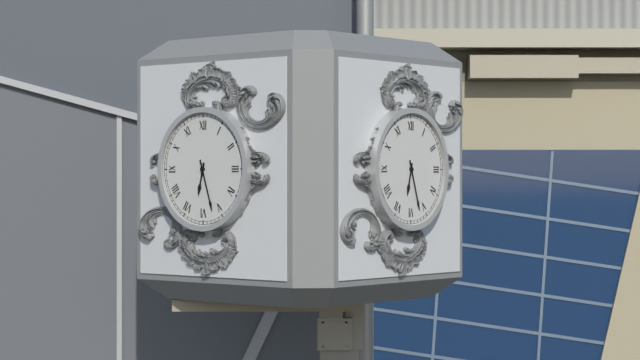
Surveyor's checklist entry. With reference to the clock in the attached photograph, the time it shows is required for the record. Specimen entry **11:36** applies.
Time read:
**6:27**
